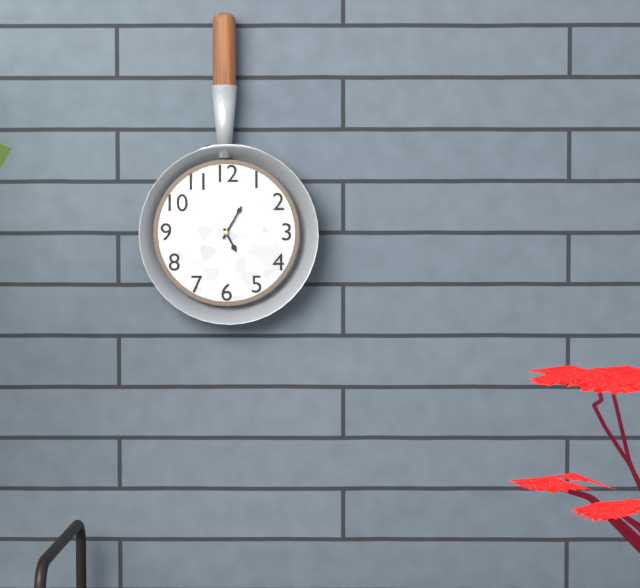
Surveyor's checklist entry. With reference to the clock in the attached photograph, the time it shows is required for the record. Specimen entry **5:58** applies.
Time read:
**5:05**
